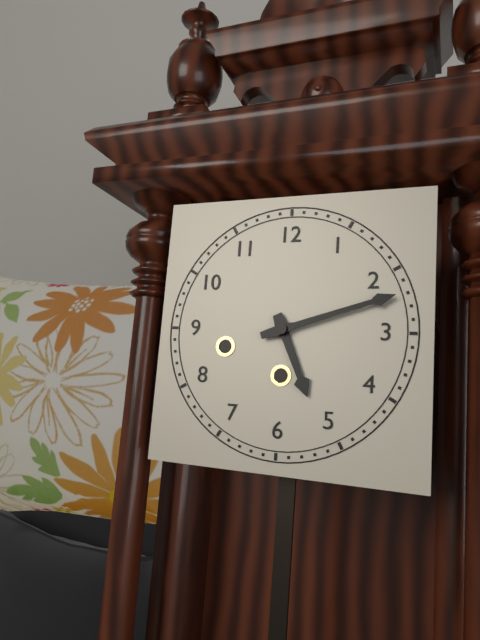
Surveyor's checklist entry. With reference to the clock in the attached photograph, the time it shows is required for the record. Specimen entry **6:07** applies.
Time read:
**5:12**
